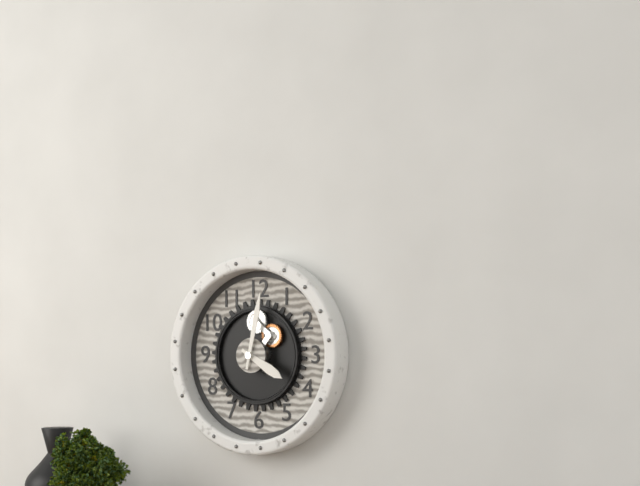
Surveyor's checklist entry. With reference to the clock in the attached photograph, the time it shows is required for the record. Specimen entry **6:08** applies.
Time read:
**4:02**
